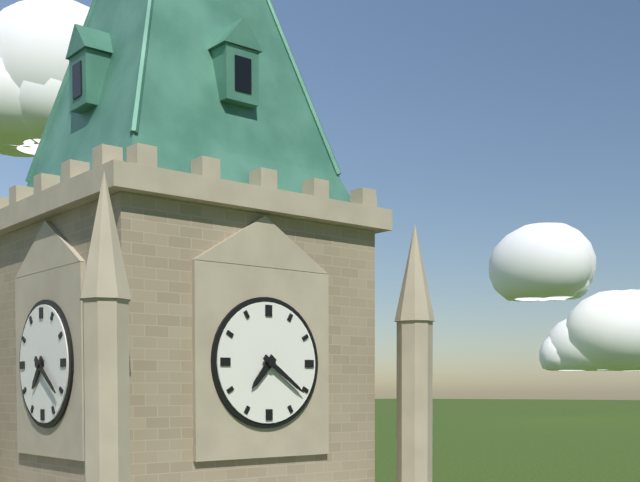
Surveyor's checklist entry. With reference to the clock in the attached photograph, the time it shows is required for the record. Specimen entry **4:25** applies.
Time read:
**7:21**
